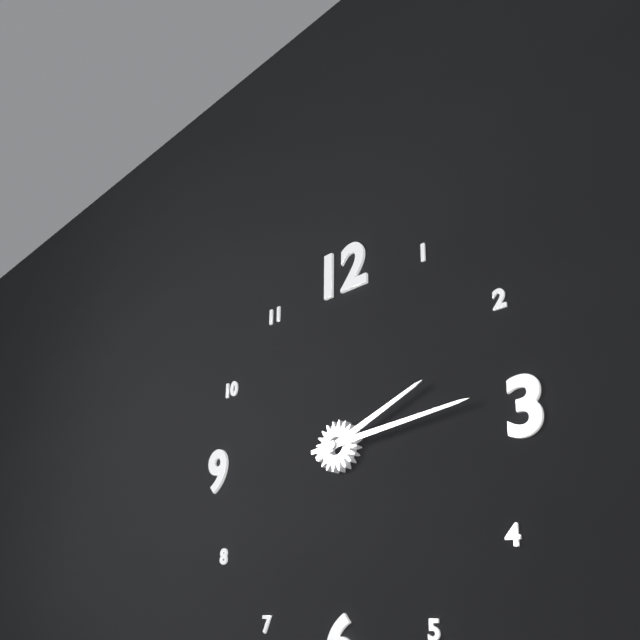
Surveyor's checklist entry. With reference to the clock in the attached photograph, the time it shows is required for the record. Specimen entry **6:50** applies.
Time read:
**2:14**
